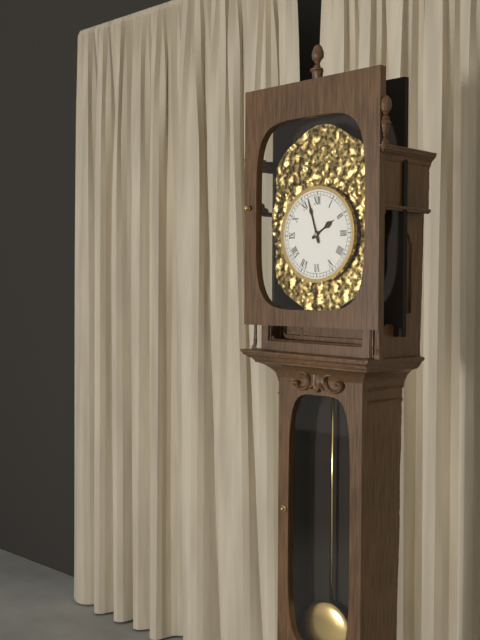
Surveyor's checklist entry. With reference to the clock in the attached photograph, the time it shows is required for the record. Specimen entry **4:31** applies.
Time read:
**1:57**
